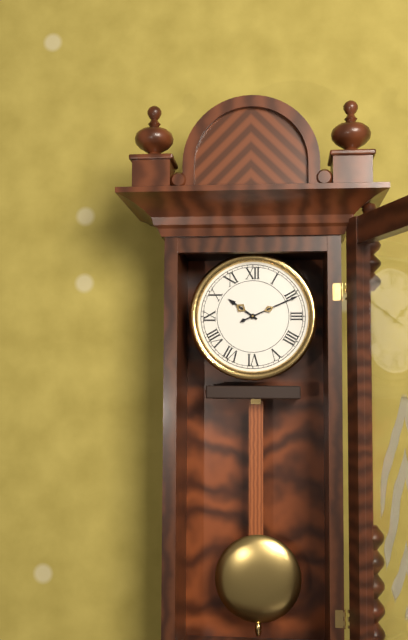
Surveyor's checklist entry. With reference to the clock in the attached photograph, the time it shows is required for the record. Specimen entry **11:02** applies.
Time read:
**10:11**
